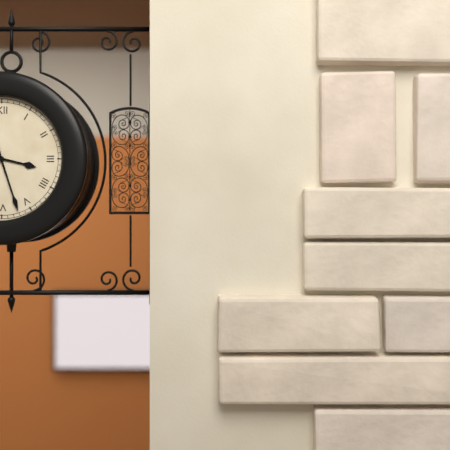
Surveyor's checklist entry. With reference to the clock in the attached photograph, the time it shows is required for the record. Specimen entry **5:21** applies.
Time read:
**3:27**
